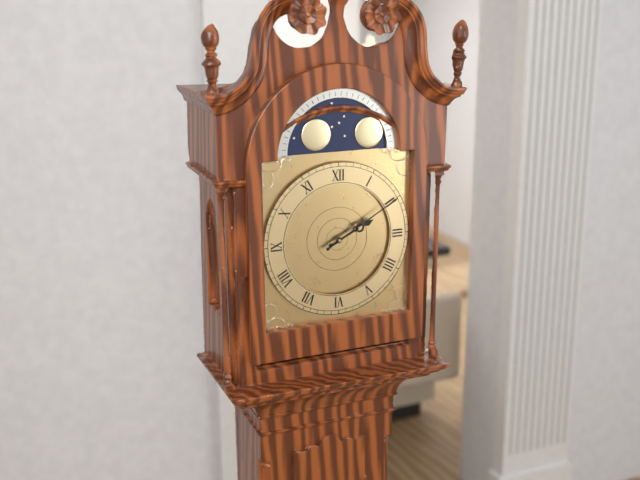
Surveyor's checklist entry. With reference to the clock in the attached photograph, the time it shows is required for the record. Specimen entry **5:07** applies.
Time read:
**2:10**
